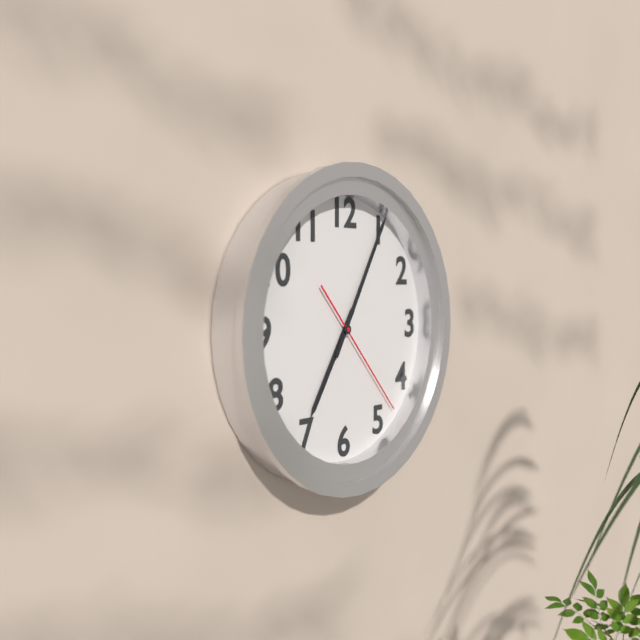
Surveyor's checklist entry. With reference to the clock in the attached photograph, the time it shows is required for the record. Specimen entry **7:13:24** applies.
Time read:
**7:05:23**
